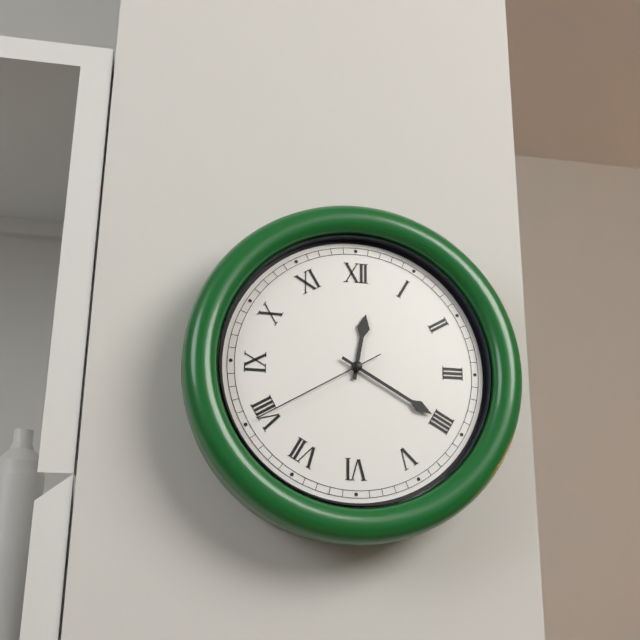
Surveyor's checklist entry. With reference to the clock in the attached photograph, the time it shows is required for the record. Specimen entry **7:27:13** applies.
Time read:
**12:20:40**
